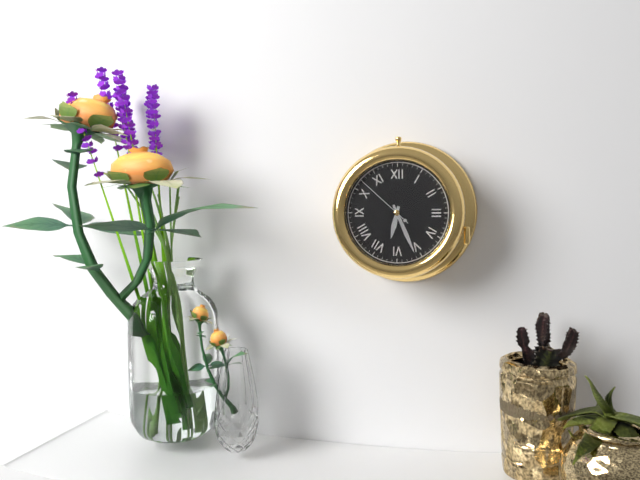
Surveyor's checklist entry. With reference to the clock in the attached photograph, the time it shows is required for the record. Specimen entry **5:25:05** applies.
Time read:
**6:26:52**
